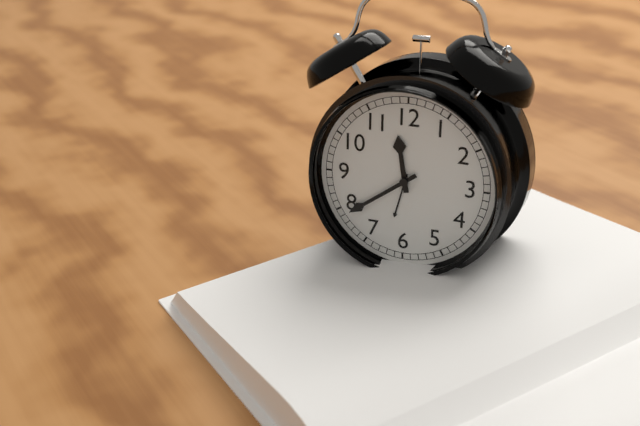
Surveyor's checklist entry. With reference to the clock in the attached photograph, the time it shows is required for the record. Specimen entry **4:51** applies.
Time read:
**11:39**
